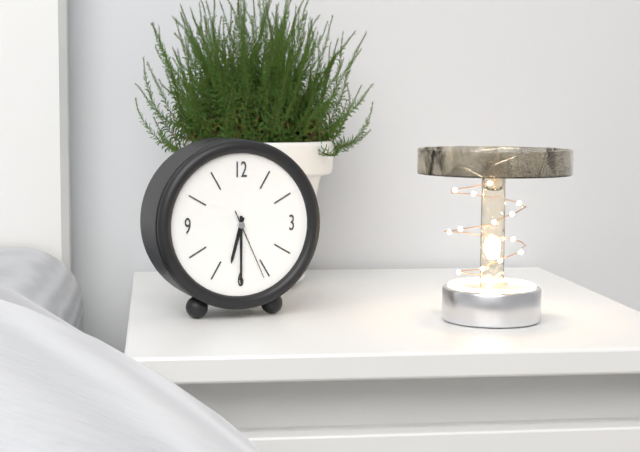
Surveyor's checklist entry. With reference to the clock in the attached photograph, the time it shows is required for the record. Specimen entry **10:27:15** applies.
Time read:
**6:30:26**
